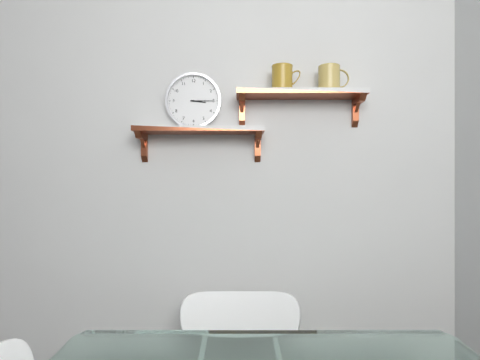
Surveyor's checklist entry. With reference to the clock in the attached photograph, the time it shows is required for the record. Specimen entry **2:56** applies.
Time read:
**3:15**
